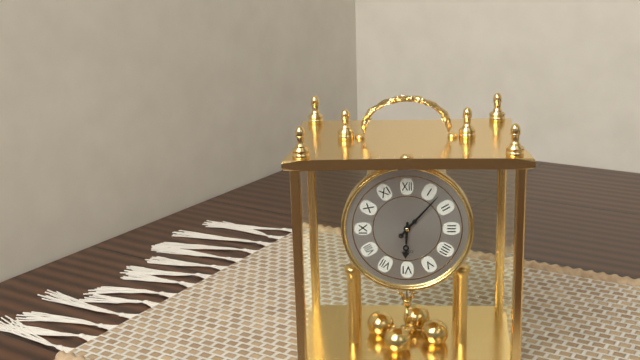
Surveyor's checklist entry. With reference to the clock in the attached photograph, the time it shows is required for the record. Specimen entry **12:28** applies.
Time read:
**6:07**
